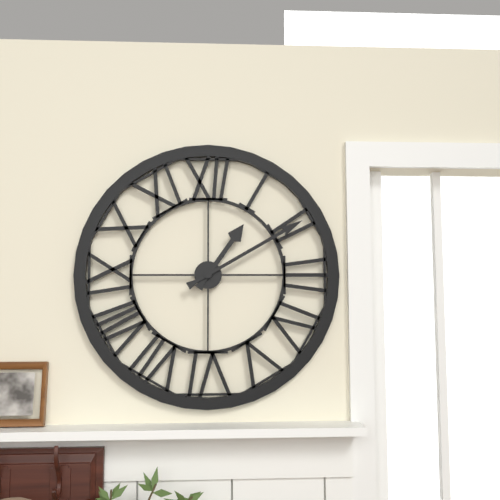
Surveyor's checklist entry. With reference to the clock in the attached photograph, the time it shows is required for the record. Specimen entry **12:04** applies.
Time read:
**1:10**
